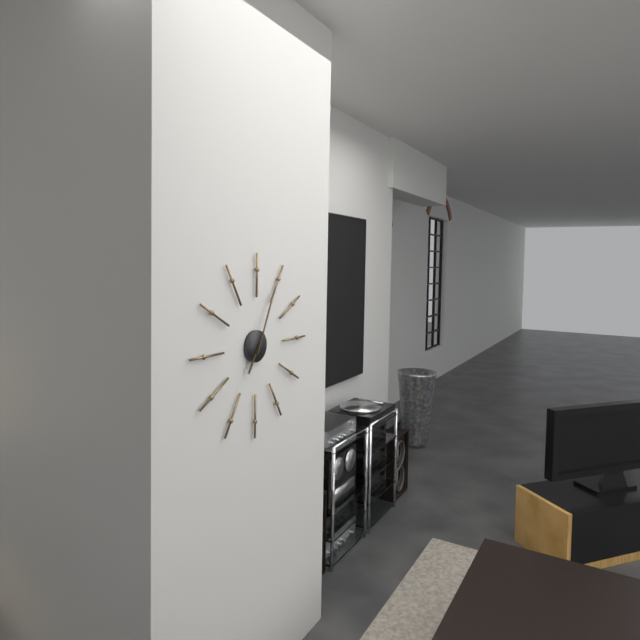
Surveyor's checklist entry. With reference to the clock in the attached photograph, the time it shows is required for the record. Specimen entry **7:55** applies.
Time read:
**7:04**
